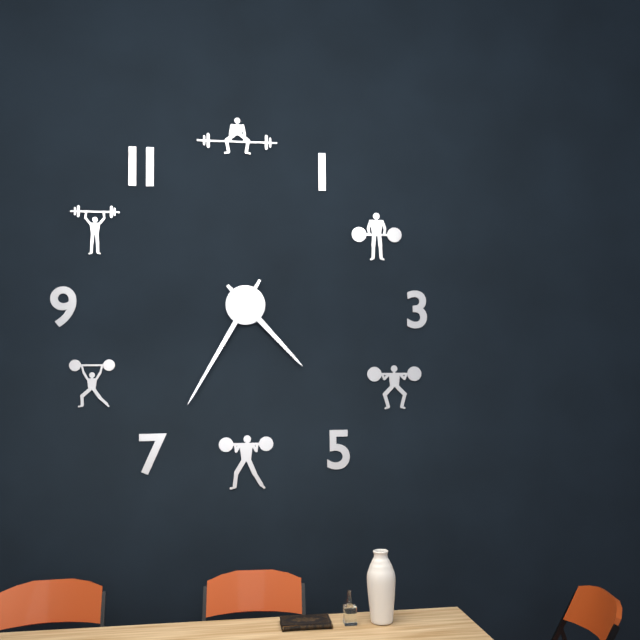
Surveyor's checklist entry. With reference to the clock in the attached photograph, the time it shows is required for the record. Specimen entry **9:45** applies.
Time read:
**4:35**
